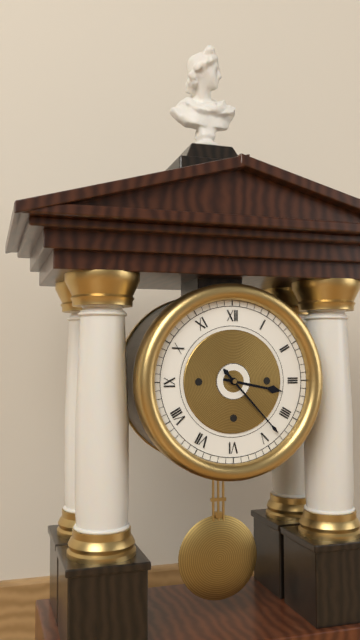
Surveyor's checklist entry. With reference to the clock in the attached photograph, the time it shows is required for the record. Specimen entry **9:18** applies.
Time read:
**3:23**
